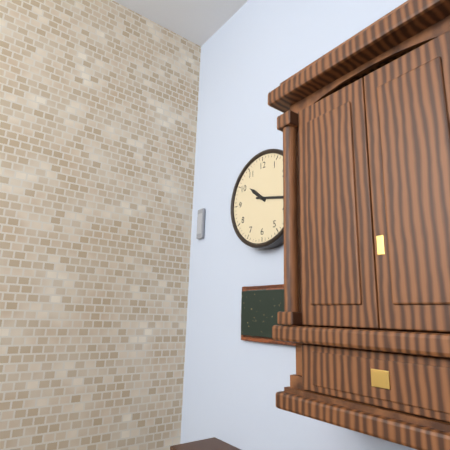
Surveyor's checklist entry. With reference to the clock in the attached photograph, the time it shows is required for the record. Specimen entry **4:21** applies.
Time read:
**10:17**
